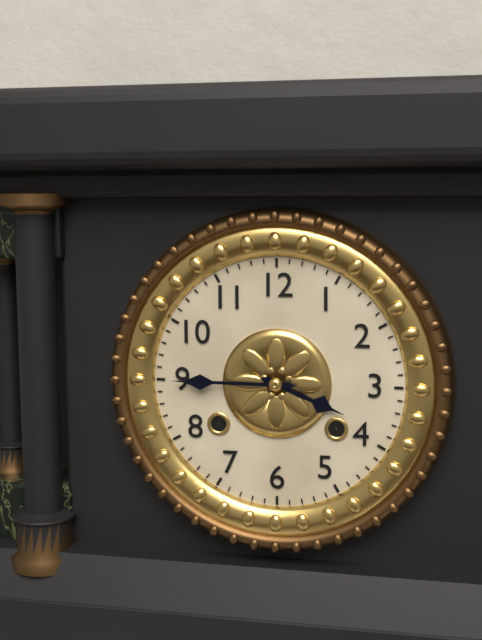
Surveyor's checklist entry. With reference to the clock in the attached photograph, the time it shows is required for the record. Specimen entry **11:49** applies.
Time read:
**3:45**
